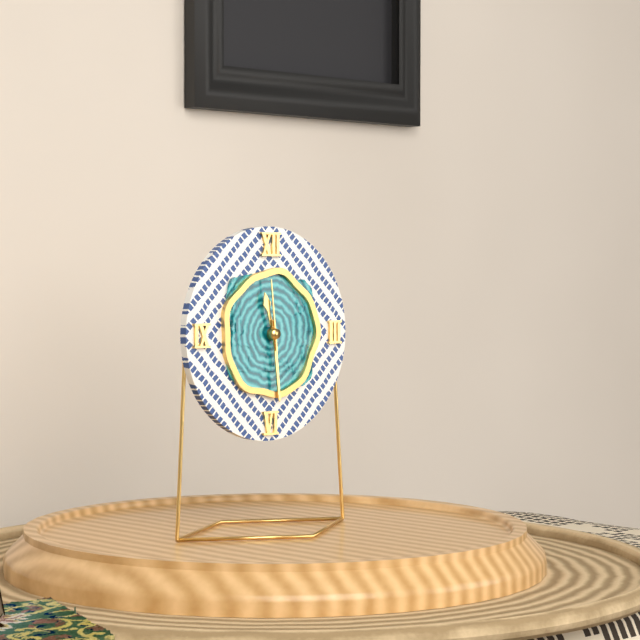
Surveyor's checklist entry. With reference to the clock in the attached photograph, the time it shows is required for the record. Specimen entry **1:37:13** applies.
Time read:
**11:29:59**
